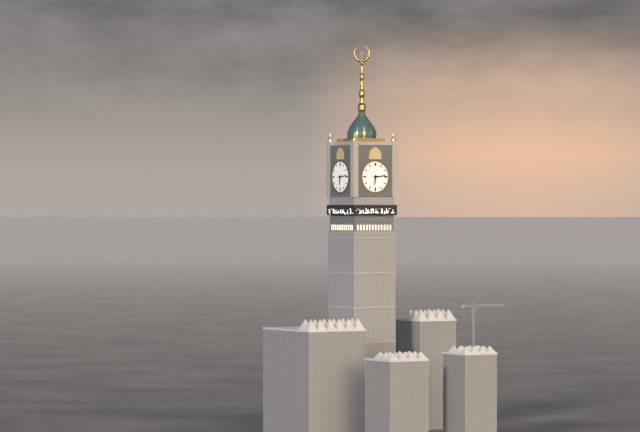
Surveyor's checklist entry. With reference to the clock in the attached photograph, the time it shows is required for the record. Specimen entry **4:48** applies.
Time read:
**6:14**
